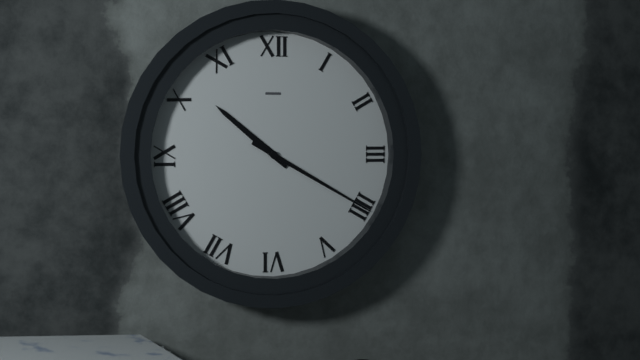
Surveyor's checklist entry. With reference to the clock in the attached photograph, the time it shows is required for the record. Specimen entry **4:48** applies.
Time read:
**10:20**
